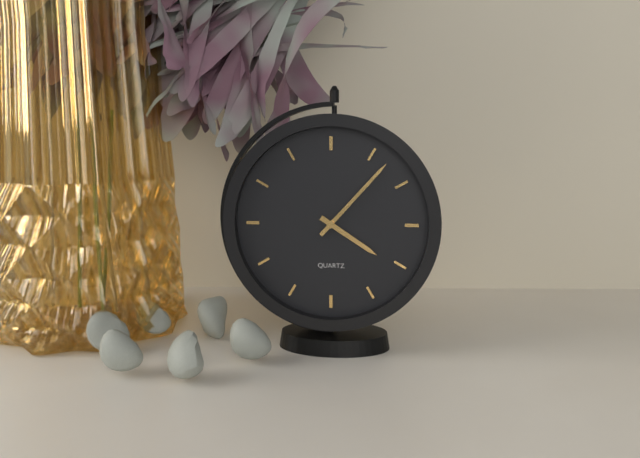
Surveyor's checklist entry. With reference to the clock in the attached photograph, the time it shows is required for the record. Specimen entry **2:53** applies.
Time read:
**4:07**
